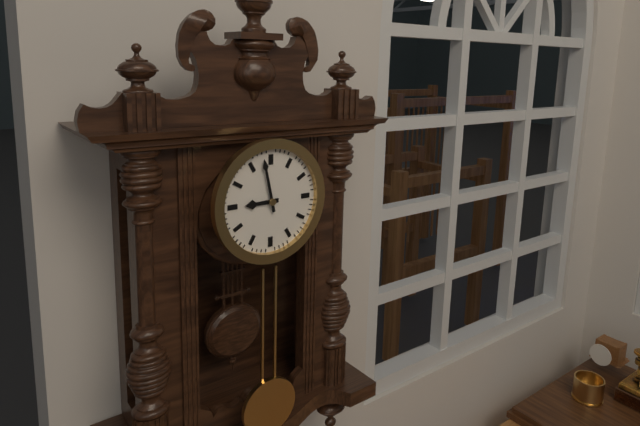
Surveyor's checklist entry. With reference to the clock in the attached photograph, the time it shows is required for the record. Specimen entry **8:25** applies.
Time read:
**8:58**
